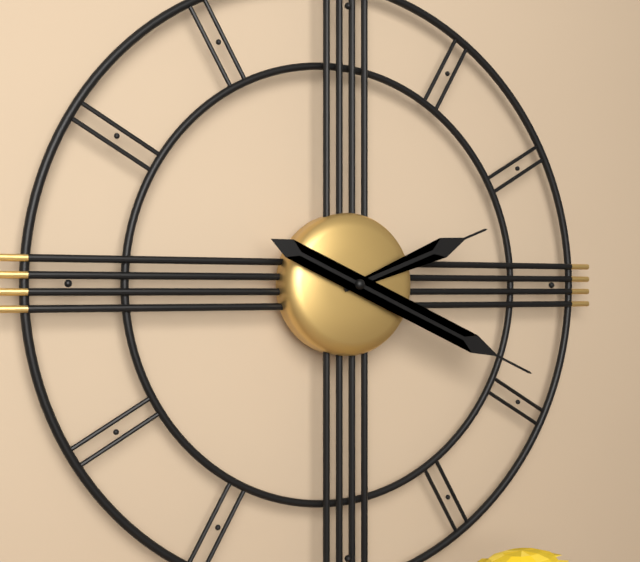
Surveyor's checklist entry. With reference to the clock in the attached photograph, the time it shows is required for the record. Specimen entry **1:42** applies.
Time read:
**2:19**
